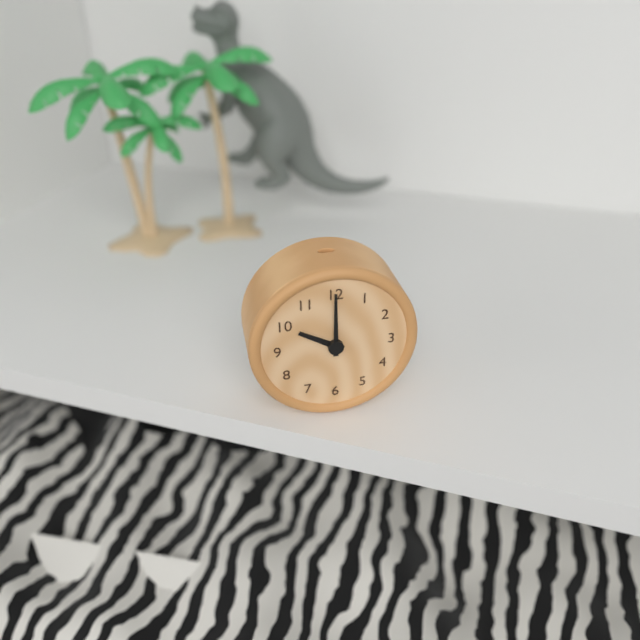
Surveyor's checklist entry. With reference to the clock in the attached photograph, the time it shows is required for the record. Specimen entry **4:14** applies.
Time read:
**10:00**
